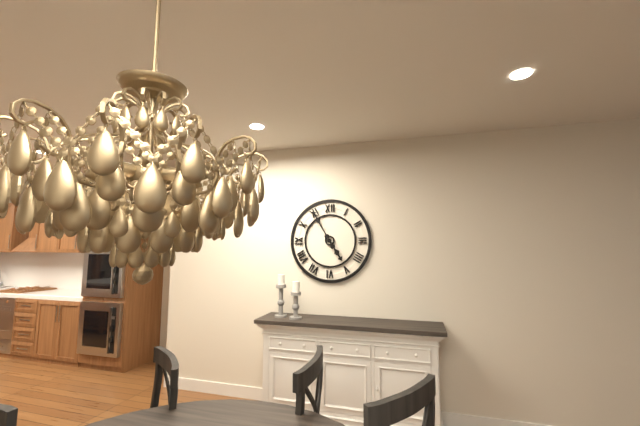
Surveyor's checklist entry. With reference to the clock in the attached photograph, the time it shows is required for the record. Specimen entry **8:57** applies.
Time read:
**4:55**
